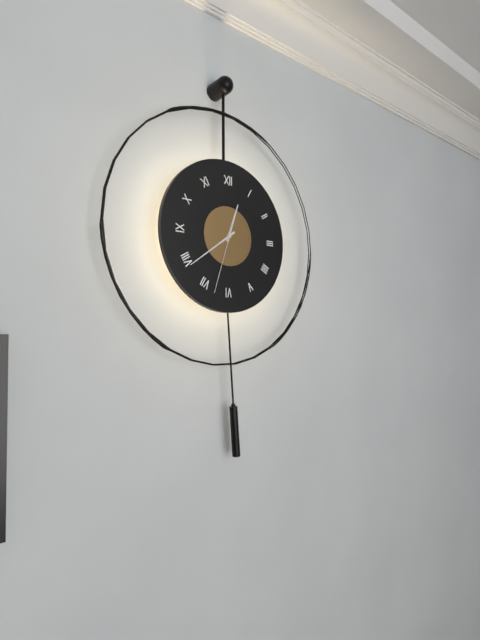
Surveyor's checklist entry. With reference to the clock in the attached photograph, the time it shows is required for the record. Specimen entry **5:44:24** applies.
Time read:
**12:39:33**
